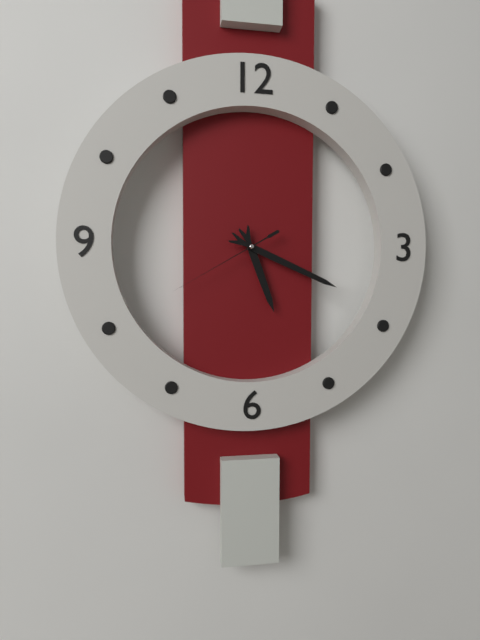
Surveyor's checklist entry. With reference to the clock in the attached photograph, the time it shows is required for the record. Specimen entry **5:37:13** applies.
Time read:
**5:19:40**
